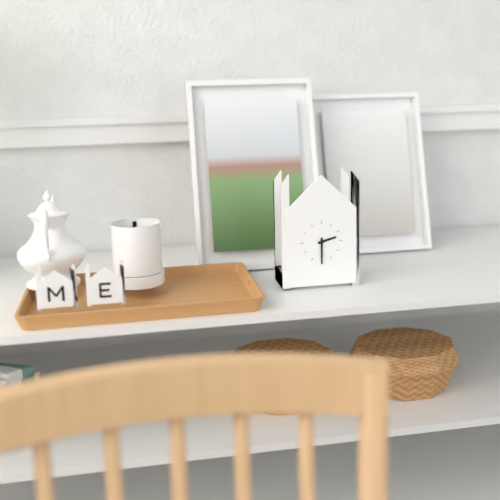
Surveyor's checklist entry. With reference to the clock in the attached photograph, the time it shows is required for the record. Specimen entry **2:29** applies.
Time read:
**2:30**
